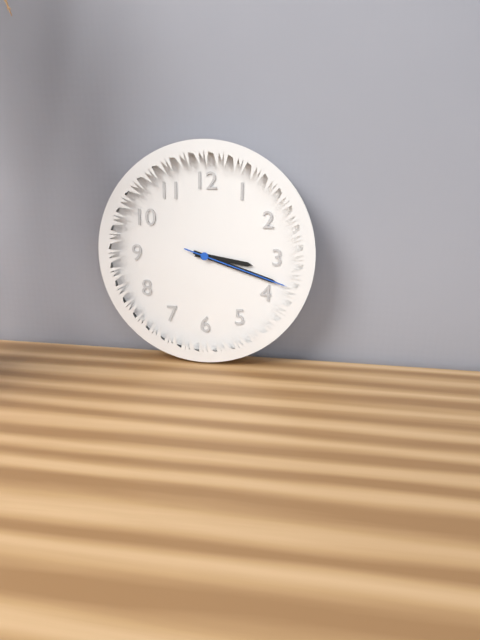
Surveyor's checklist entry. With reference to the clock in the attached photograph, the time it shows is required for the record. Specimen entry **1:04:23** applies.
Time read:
**3:18:18**
